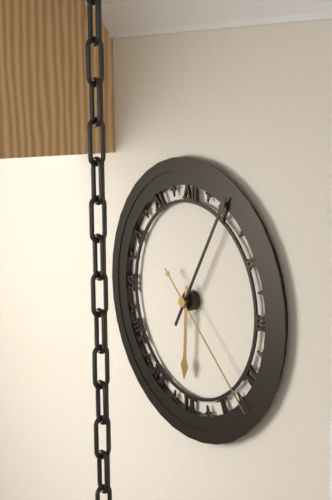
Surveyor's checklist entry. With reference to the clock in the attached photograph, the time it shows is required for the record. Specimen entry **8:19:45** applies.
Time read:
**6:05:22**
